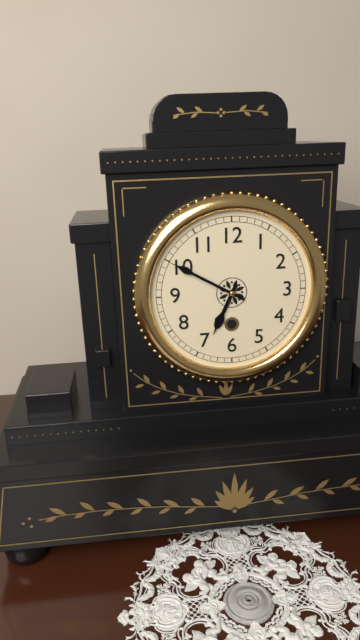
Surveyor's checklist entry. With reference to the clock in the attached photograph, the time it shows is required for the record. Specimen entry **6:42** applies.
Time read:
**6:50**
